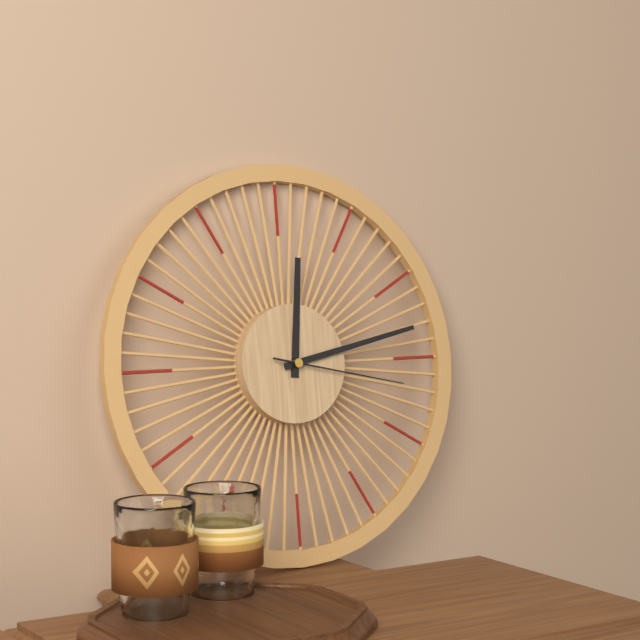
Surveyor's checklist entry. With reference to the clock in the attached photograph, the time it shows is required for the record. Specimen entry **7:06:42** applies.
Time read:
**12:13:17**
